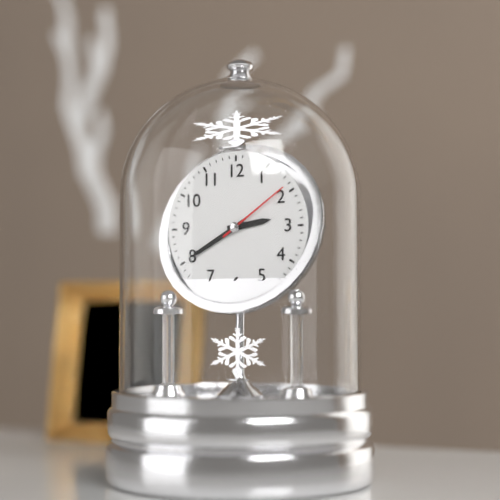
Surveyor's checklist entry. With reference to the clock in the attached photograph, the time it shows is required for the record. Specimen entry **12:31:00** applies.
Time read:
**2:40:09**
